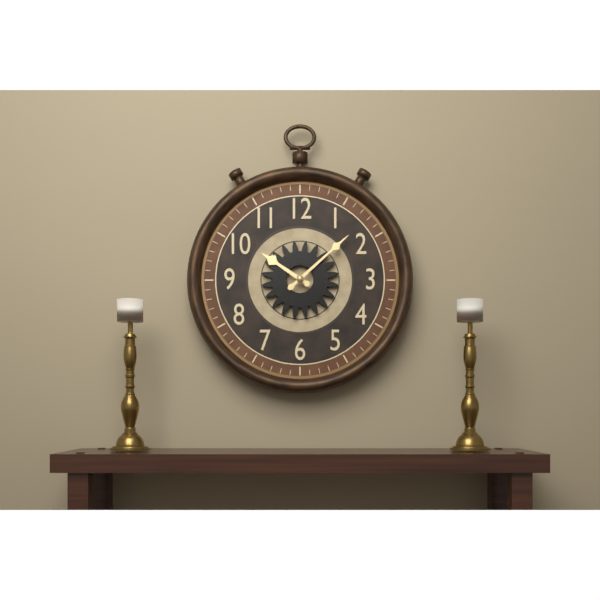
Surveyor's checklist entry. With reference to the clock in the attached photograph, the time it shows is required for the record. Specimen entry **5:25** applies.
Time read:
**10:08**
